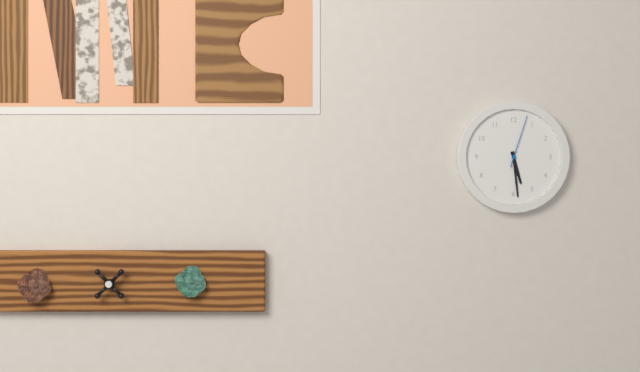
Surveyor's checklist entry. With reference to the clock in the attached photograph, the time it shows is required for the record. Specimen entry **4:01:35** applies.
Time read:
**5:29:03**
